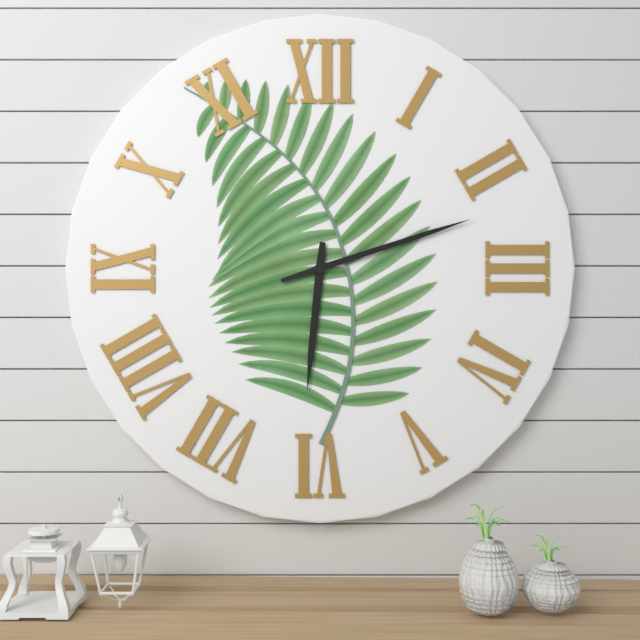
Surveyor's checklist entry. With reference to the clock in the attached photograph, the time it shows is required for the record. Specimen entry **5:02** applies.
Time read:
**6:12**
